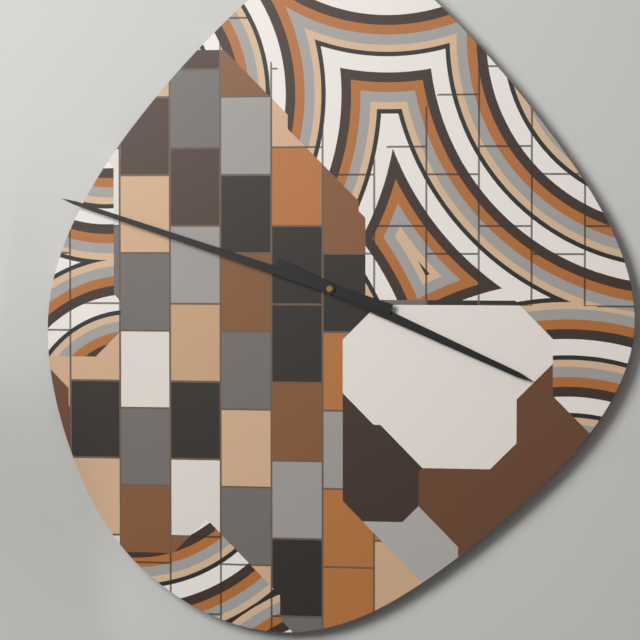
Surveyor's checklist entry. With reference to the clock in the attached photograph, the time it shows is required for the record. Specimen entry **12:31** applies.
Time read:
**3:48**
